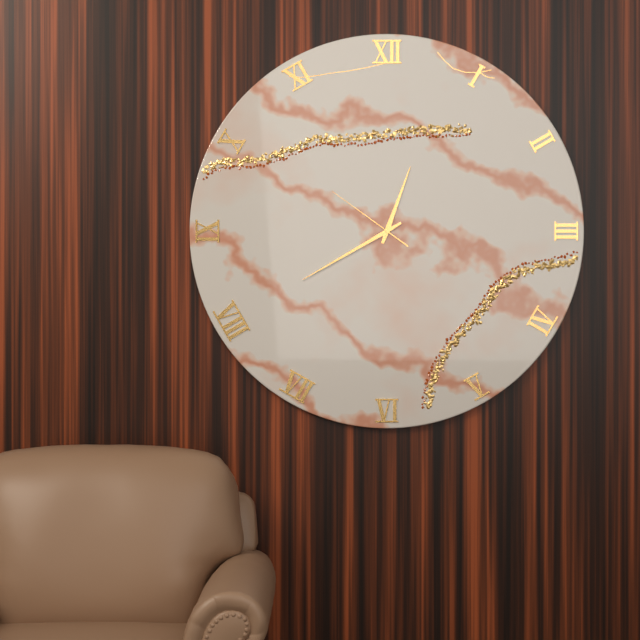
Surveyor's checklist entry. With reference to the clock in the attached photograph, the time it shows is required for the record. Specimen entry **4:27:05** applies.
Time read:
**12:40:51**
